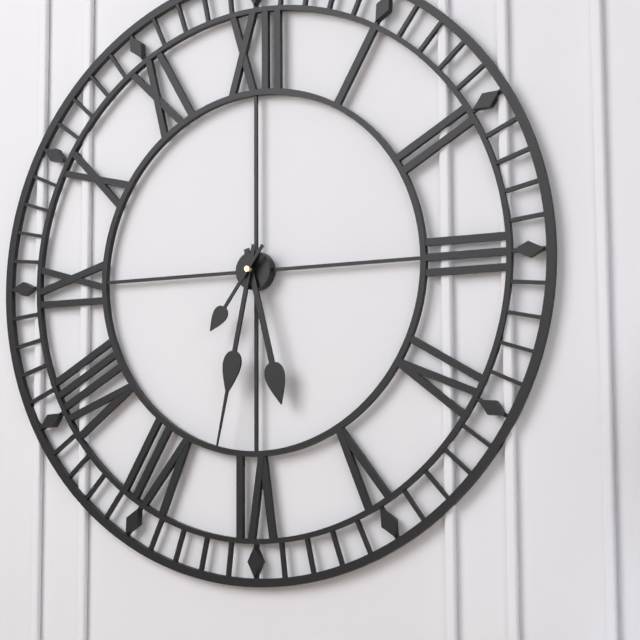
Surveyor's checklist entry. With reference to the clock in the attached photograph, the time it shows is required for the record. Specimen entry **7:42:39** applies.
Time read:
**5:32:36**
